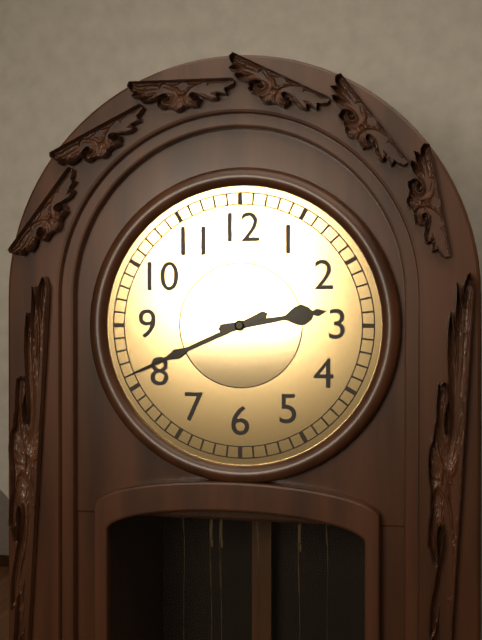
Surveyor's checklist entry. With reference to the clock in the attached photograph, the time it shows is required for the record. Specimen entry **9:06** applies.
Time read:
**2:41**
